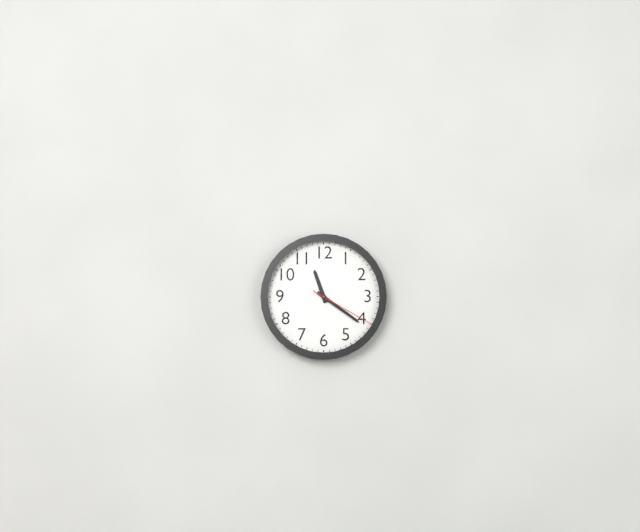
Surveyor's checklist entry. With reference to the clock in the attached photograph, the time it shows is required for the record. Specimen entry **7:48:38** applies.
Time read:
**11:21:20**
